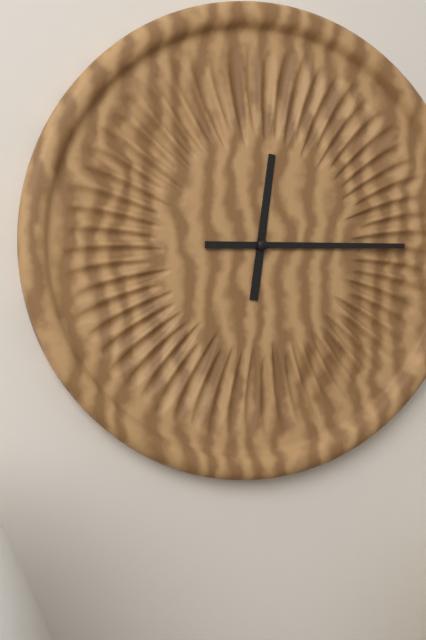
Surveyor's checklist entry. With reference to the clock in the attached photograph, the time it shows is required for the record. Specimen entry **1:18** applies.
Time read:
**12:15**
